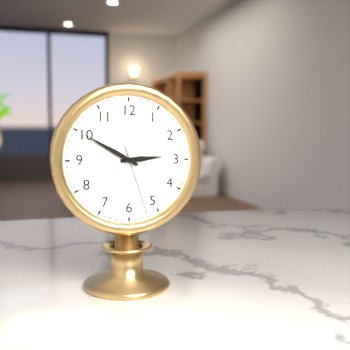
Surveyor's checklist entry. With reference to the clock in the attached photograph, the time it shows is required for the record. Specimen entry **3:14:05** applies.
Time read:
**2:50:27**
